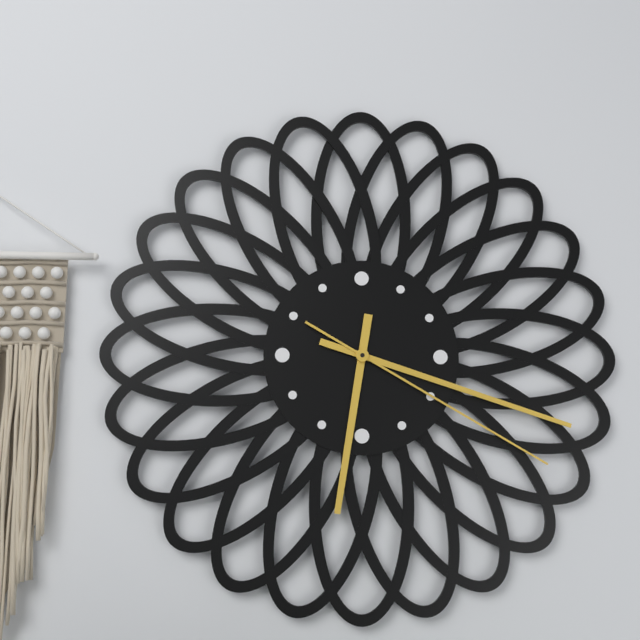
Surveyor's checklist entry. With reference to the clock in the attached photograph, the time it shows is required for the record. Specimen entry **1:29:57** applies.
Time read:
**6:18:20**
